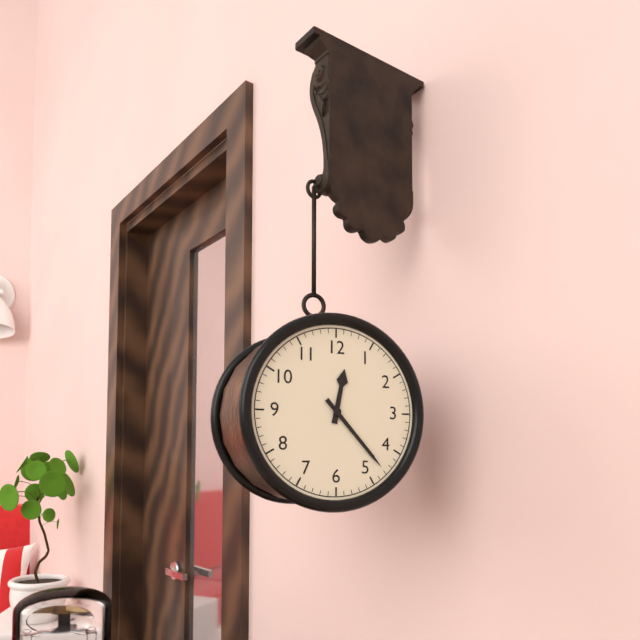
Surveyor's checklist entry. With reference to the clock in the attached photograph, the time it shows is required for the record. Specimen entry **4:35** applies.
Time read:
**12:23**
